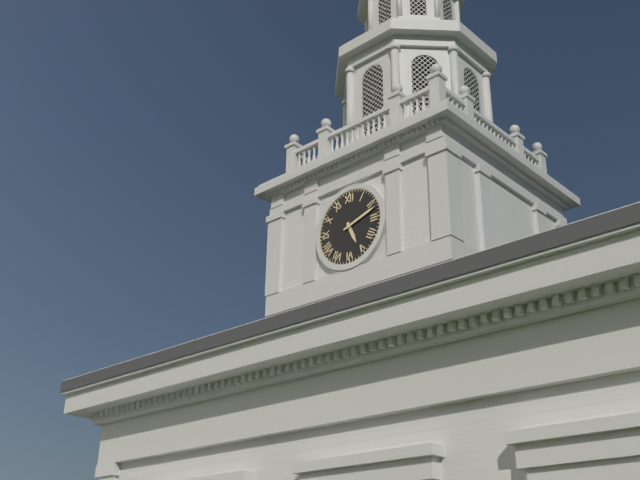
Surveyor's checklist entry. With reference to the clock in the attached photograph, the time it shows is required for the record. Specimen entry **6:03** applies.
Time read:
**5:12**
